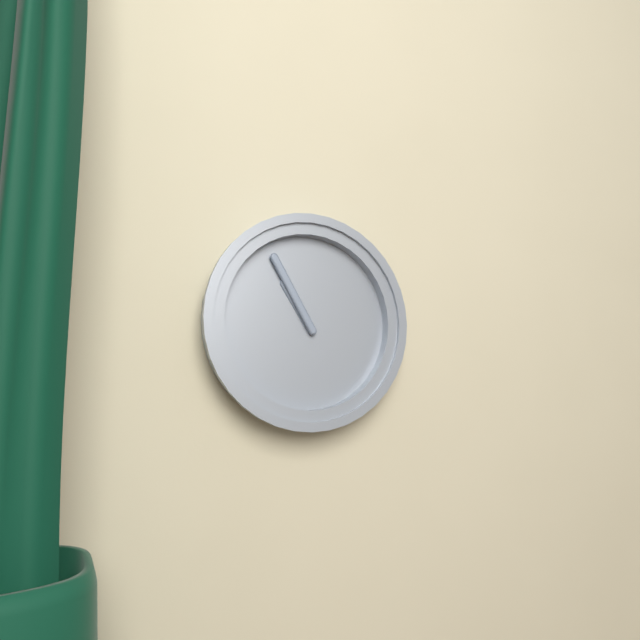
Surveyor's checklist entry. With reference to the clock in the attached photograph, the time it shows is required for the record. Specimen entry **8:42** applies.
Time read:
**10:55**
